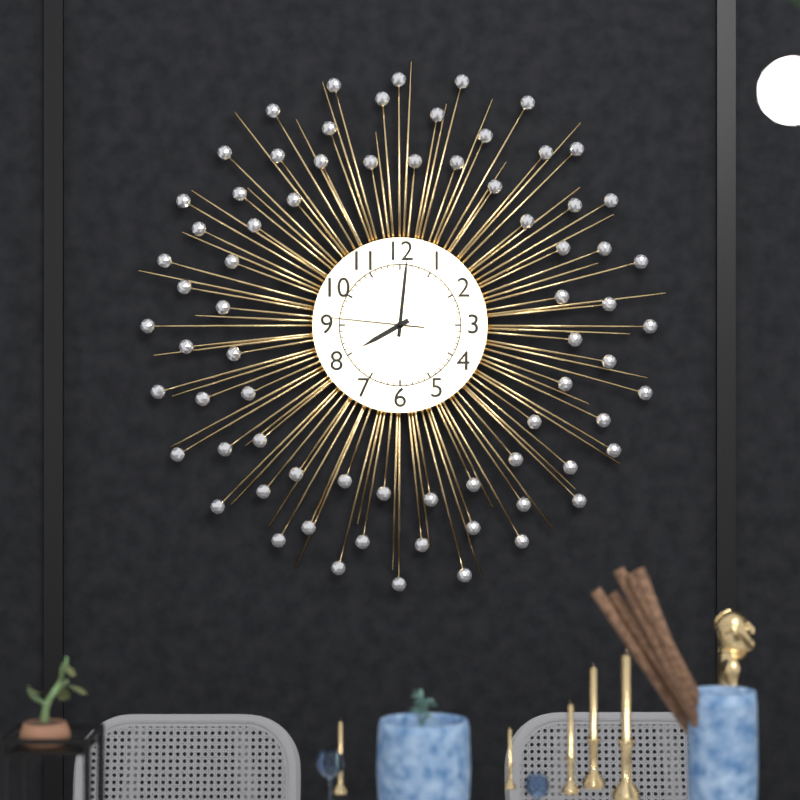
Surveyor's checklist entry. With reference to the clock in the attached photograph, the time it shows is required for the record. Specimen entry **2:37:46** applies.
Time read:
**8:01:46**
